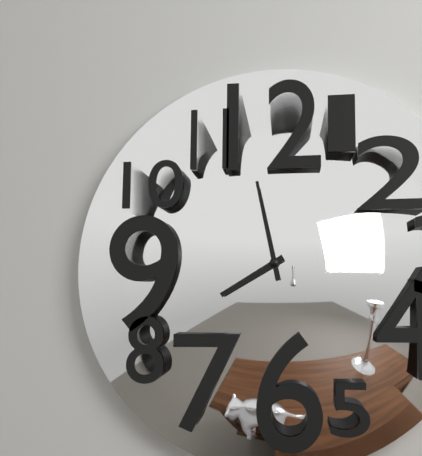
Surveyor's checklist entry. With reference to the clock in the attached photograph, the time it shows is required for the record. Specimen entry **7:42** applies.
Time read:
**7:58**
